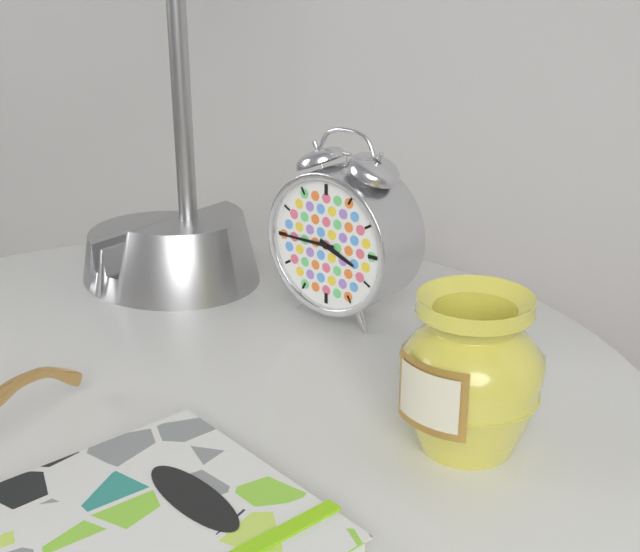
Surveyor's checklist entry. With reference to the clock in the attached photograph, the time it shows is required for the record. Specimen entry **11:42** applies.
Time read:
**3:45**
